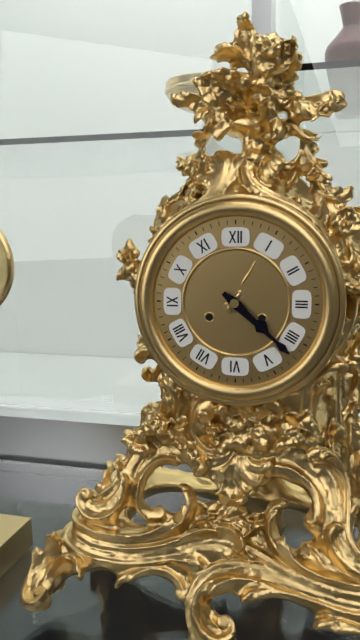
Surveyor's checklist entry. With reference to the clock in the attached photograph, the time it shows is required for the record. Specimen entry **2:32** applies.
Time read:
**4:22**
